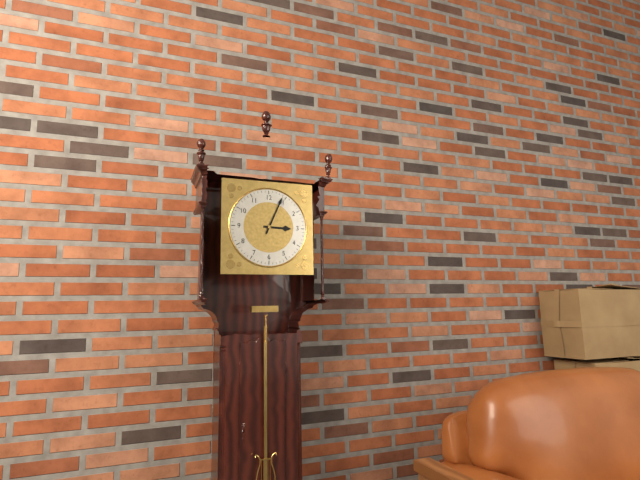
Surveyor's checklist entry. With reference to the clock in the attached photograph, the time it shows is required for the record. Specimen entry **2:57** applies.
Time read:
**3:04**
